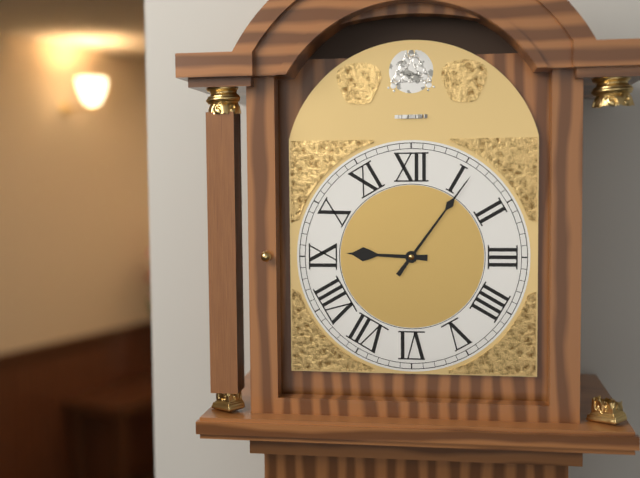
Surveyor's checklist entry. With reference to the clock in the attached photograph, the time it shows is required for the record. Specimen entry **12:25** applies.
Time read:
**9:06**
